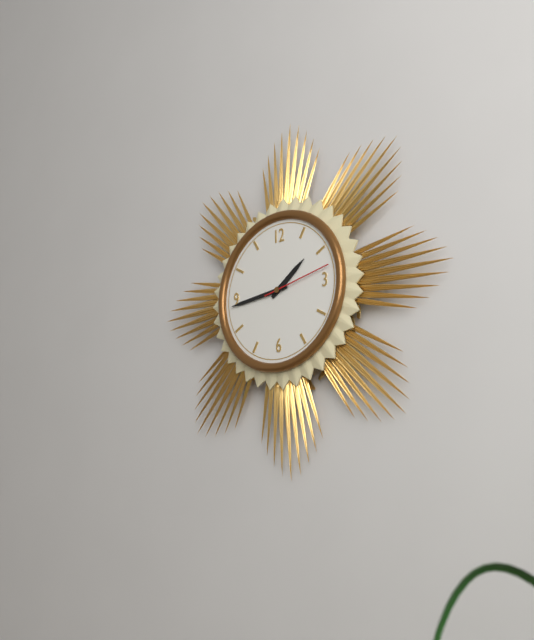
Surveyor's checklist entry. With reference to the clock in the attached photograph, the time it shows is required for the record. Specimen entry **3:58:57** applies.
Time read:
**1:44:13**
